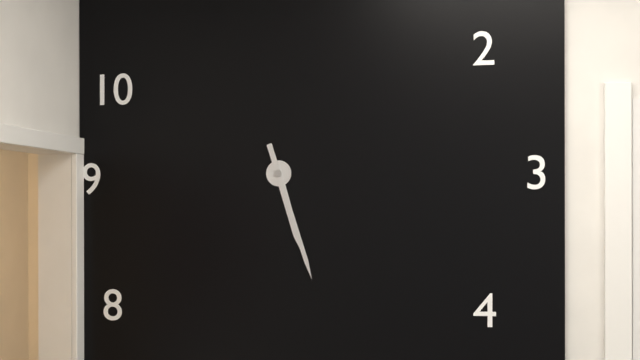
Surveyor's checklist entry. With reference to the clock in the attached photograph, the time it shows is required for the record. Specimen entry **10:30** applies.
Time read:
**5:27**
